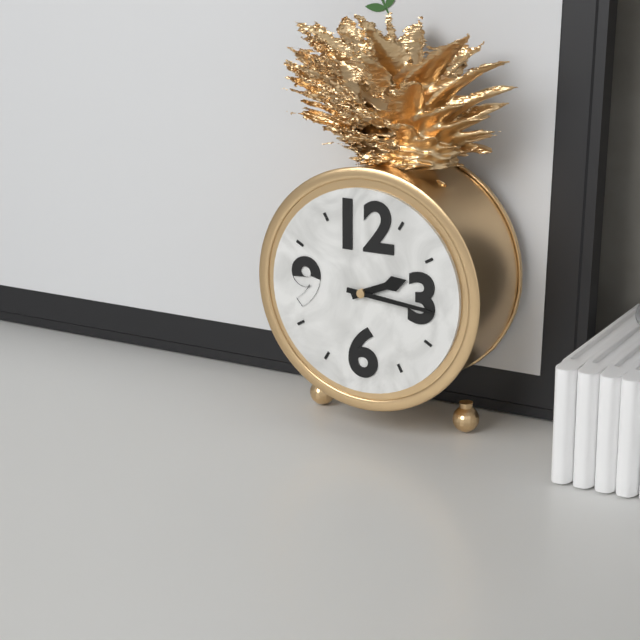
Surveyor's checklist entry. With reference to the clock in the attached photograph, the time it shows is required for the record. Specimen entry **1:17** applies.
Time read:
**2:16**
